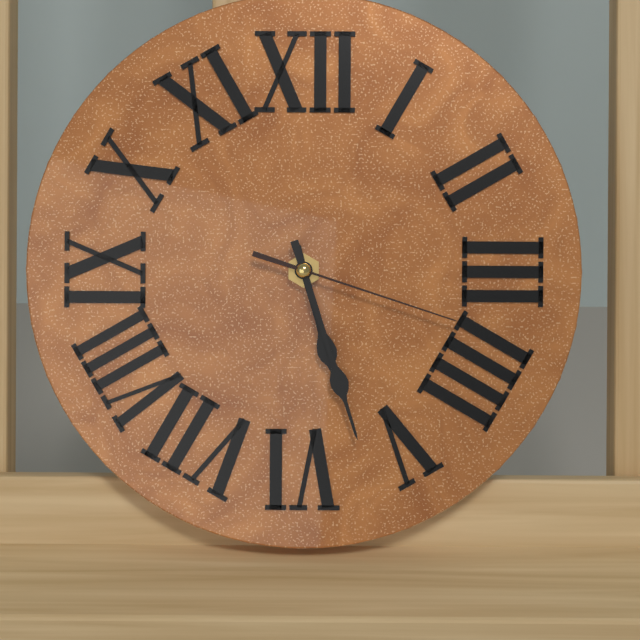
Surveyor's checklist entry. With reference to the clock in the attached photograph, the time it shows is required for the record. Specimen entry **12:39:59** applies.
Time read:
**5:27:18**
